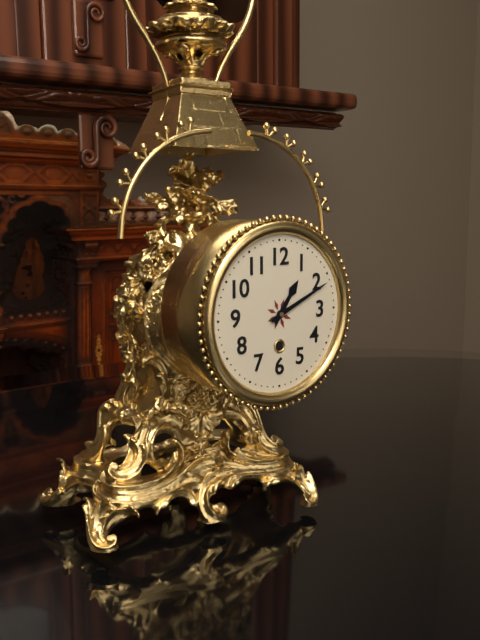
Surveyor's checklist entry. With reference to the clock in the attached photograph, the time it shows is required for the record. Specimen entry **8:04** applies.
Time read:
**1:11**
